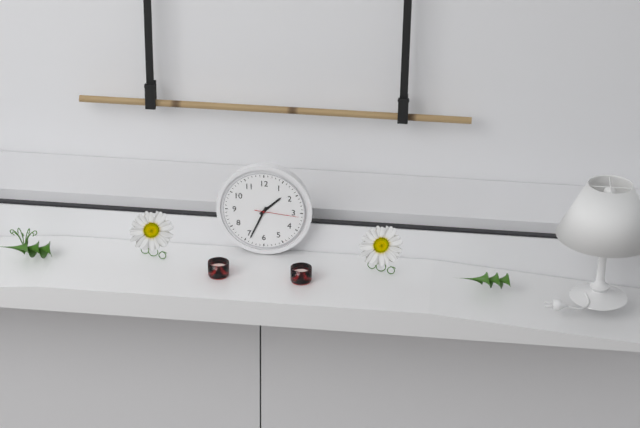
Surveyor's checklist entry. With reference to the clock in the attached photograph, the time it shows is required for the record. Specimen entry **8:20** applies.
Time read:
**1:34**
